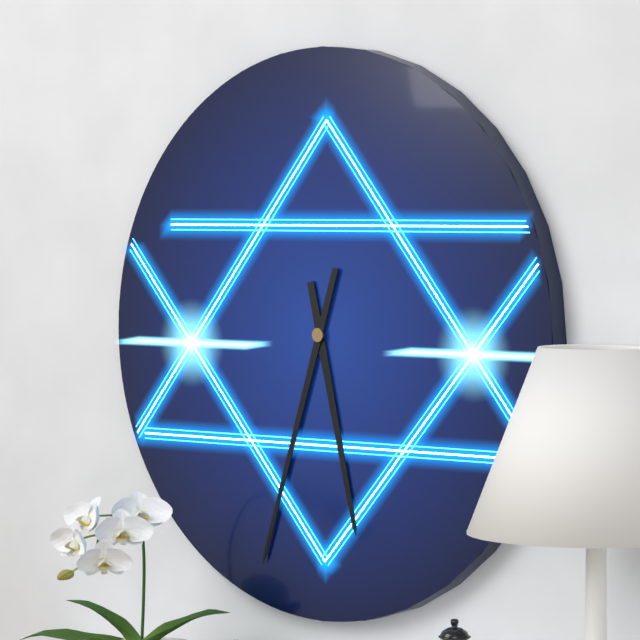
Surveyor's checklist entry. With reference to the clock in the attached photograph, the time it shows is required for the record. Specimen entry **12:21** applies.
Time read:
**5:33**
